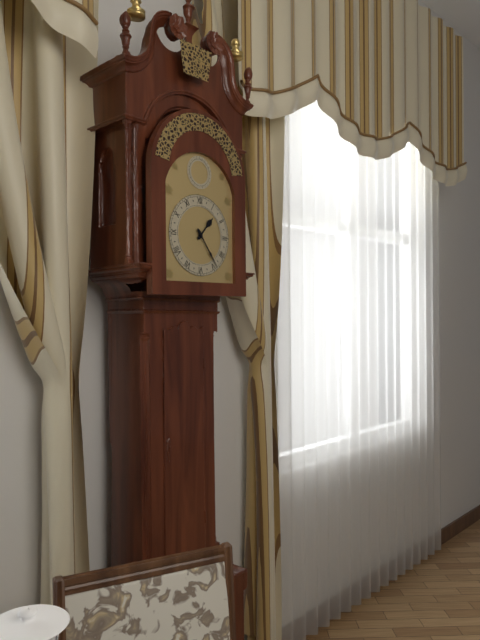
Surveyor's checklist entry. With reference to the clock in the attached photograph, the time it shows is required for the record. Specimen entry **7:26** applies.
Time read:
**1:24**
